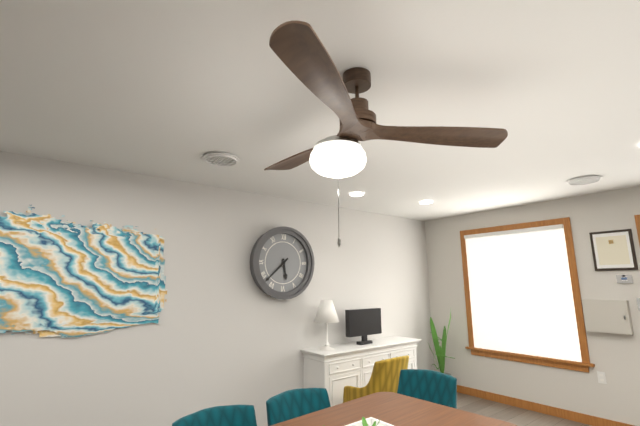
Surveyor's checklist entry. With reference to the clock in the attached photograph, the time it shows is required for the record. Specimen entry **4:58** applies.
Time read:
**5:38**
